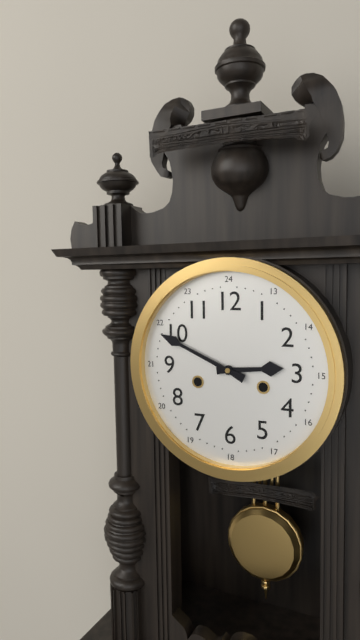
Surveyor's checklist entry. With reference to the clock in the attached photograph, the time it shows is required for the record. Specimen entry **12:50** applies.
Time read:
**2:49**
